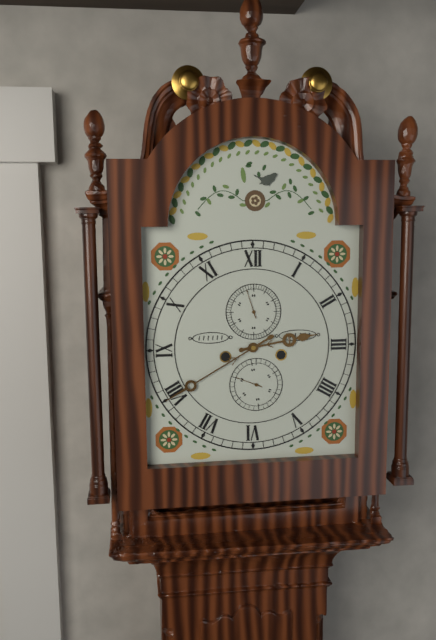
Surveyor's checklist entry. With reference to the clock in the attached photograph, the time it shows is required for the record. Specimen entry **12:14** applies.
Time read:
**2:40**
